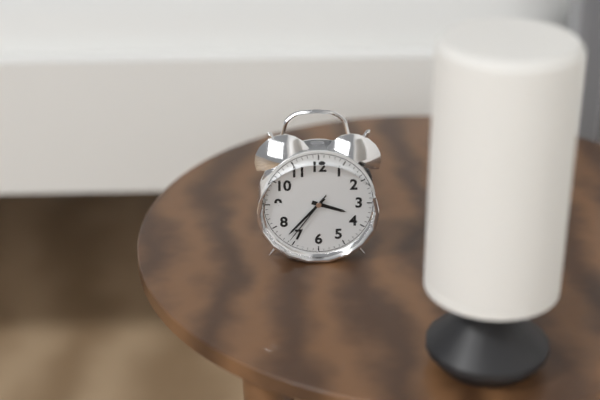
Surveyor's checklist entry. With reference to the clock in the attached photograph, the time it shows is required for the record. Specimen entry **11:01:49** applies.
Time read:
**3:37:36**
